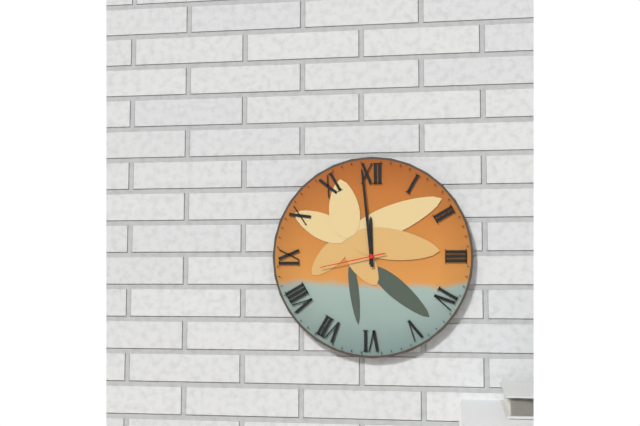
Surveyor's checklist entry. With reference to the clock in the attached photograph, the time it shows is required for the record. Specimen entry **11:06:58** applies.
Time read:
**11:59:43**
